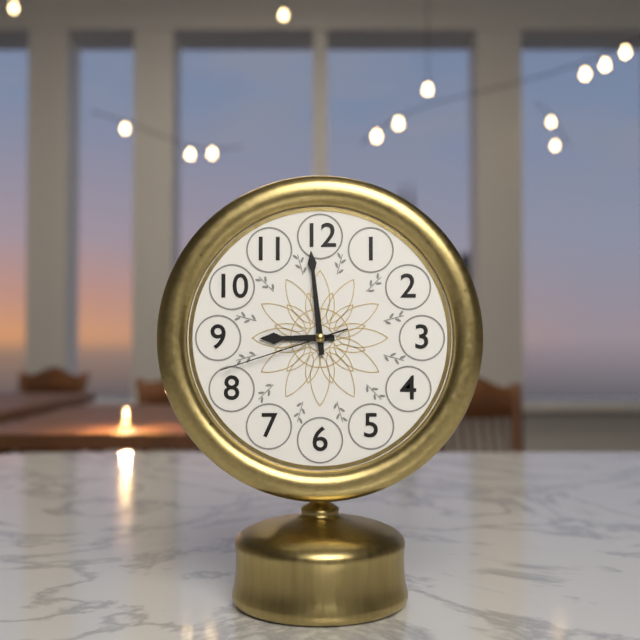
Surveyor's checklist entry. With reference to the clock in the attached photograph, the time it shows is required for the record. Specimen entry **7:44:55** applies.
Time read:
**8:59:42**
